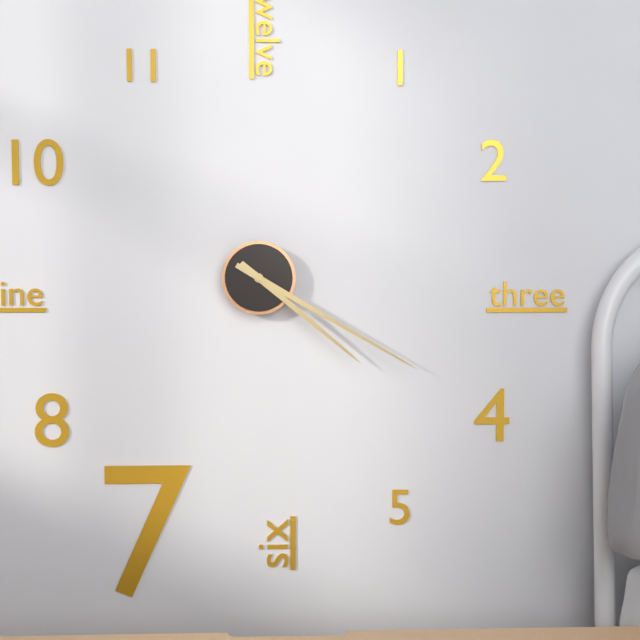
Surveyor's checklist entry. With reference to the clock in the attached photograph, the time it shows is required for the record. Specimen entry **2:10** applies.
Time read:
**4:20**
